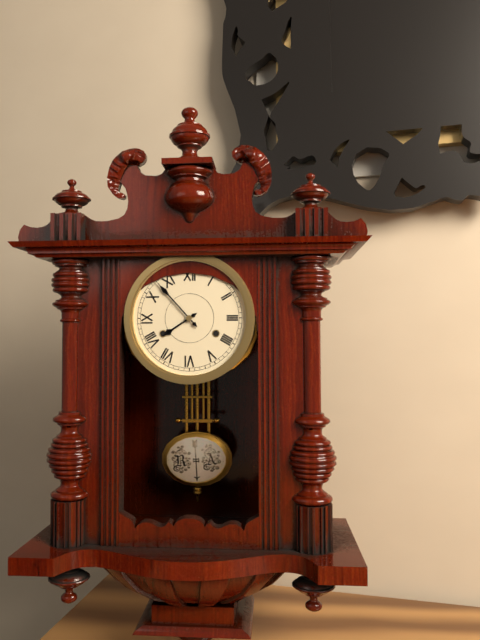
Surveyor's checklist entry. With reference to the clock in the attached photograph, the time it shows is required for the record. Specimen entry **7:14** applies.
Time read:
**7:53**
